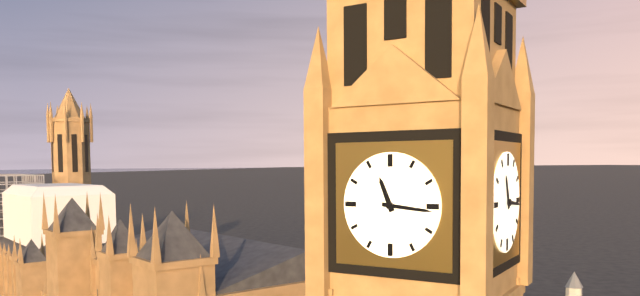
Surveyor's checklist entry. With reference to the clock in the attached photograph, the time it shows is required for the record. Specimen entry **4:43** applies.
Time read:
**11:16**
